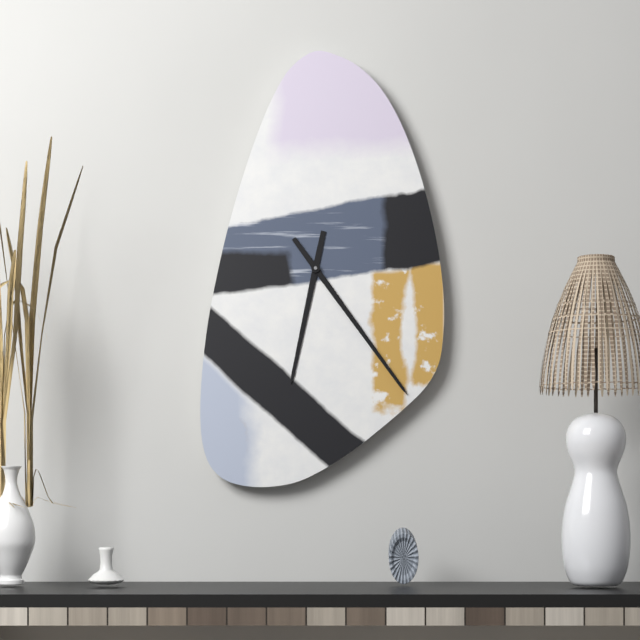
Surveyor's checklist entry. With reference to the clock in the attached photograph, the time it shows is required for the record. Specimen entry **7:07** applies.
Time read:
**6:24**
